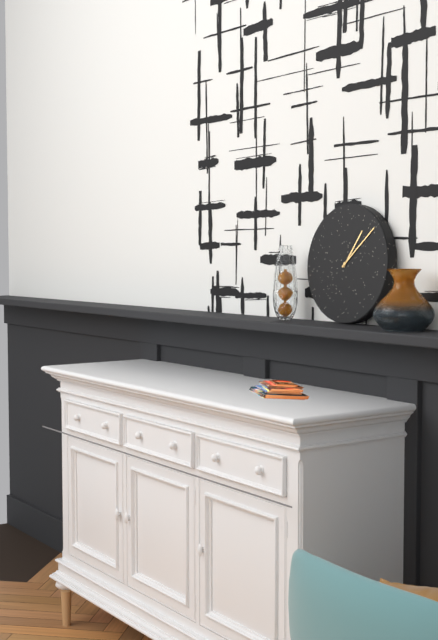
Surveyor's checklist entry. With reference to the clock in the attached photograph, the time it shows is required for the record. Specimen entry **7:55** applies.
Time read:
**1:08**
